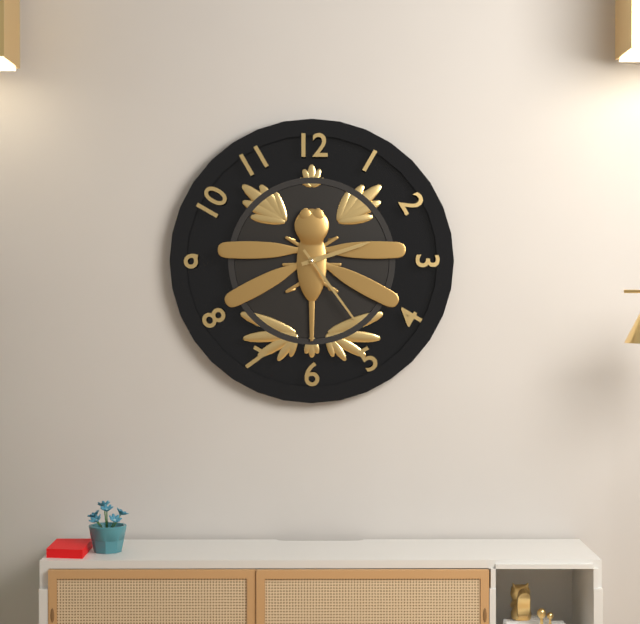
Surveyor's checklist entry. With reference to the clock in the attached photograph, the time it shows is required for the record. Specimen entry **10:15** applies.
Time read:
**2:24**
